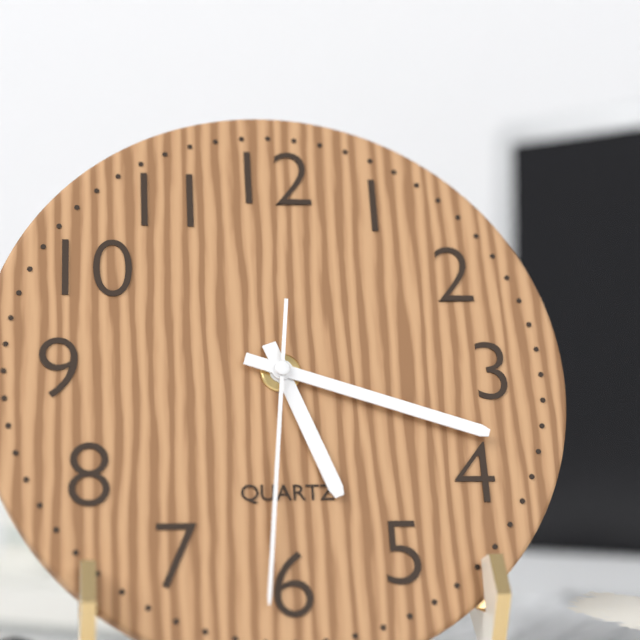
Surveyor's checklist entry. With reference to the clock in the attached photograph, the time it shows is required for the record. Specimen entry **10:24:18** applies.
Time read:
**5:18:31**
